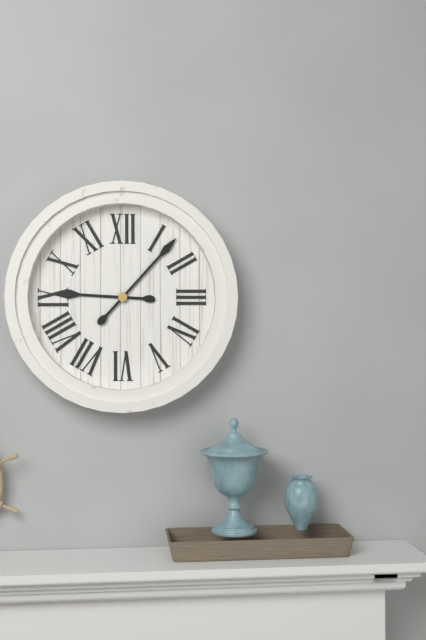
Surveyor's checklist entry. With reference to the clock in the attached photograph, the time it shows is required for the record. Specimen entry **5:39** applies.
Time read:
**9:07**
